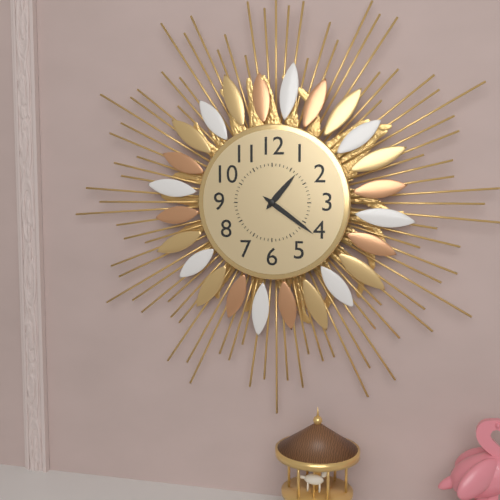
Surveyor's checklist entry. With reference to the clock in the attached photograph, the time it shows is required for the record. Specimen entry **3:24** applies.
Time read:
**1:21**
